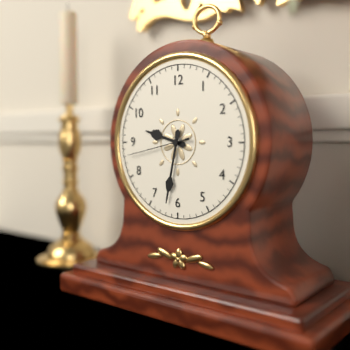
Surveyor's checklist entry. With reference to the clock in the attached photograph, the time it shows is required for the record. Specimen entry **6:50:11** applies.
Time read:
**9:32:43**
